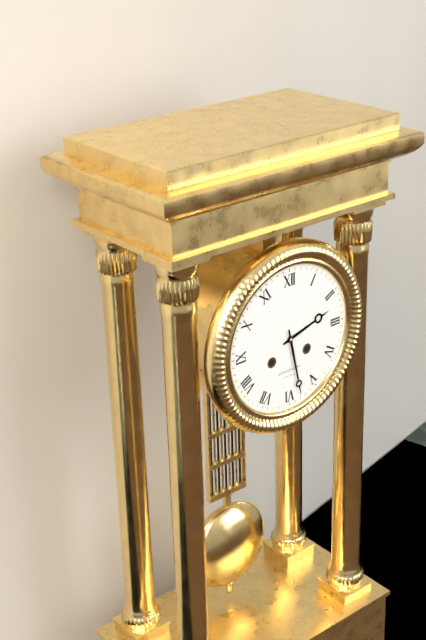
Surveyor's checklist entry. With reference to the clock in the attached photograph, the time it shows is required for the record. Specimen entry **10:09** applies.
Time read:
**2:28**
